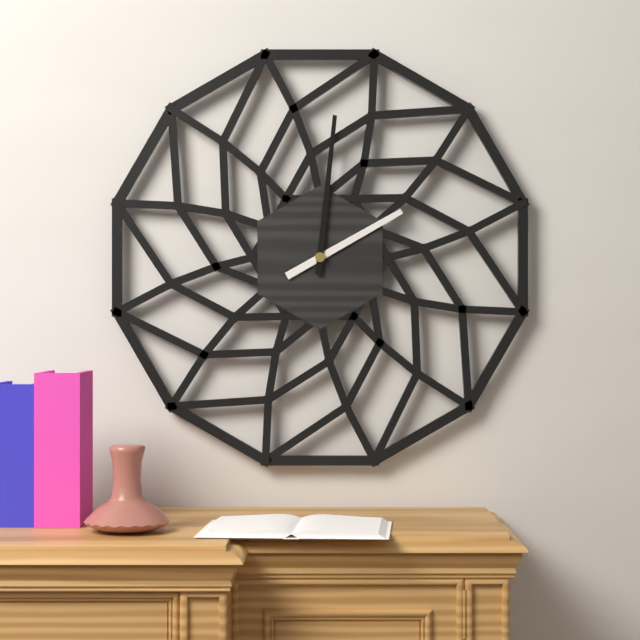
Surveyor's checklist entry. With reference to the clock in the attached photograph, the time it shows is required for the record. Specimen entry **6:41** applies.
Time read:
**2:01**
